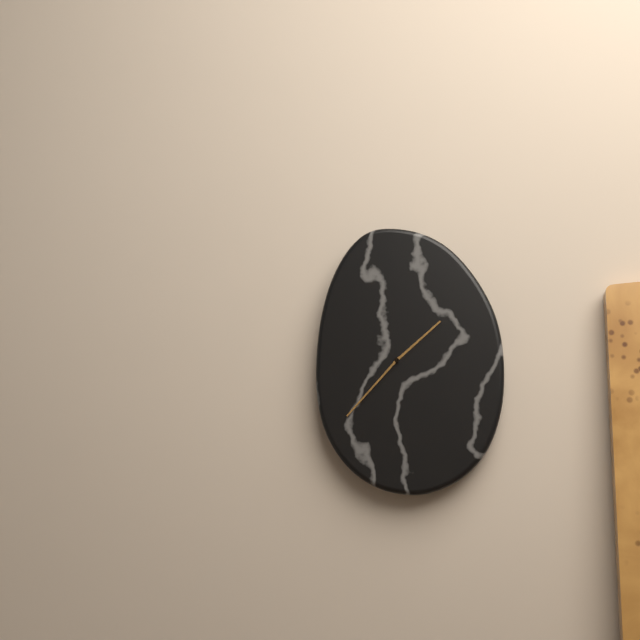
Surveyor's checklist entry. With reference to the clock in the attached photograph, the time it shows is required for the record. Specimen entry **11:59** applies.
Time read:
**1:37**
